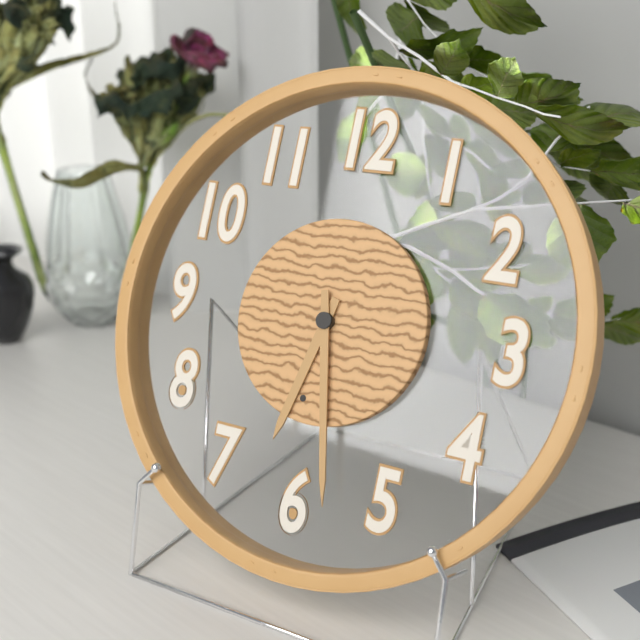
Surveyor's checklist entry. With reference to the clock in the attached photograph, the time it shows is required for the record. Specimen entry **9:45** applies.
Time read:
**6:28**
